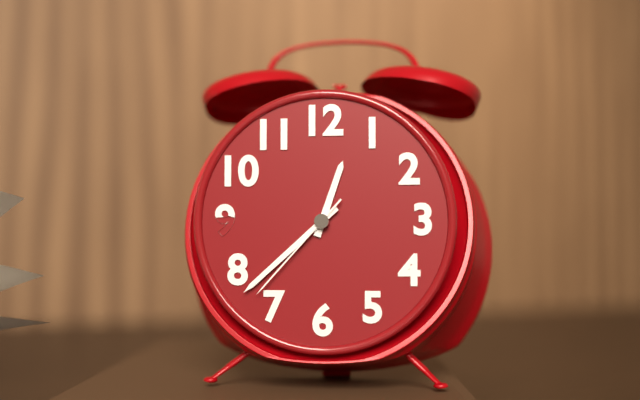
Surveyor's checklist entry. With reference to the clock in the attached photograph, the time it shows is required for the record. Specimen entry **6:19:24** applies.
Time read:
**12:38:37**
